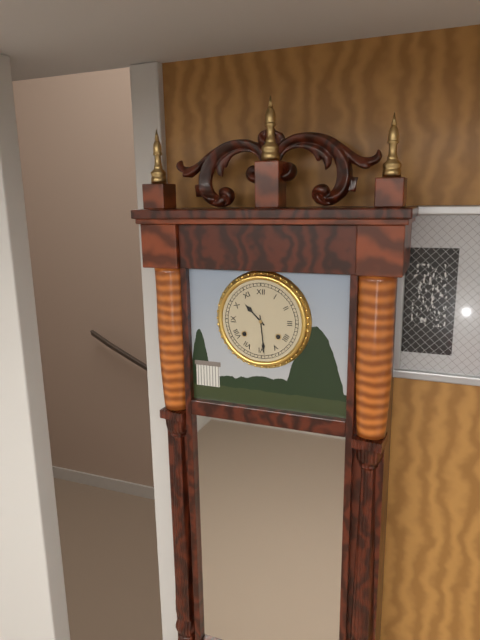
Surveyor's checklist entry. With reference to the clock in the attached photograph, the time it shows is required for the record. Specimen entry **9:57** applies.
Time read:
**10:29**
